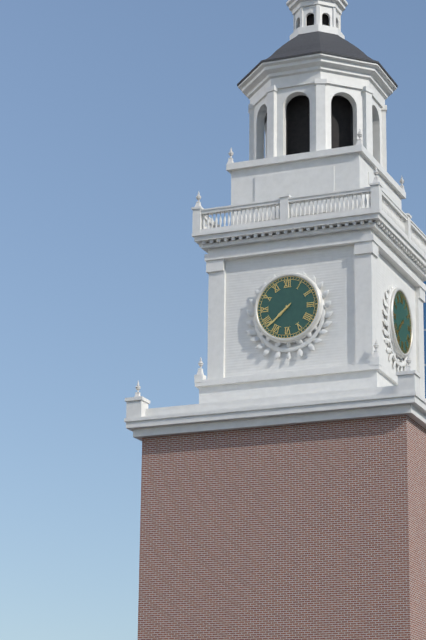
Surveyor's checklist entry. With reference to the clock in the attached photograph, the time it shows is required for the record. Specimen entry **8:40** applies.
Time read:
**7:38**
